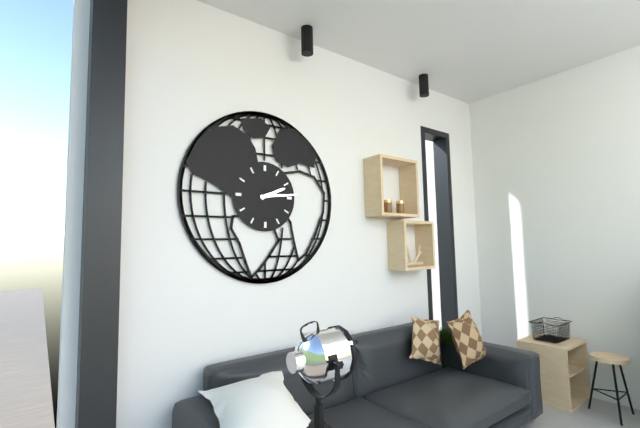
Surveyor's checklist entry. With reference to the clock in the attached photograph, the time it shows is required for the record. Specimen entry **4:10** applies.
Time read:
**2:14**
